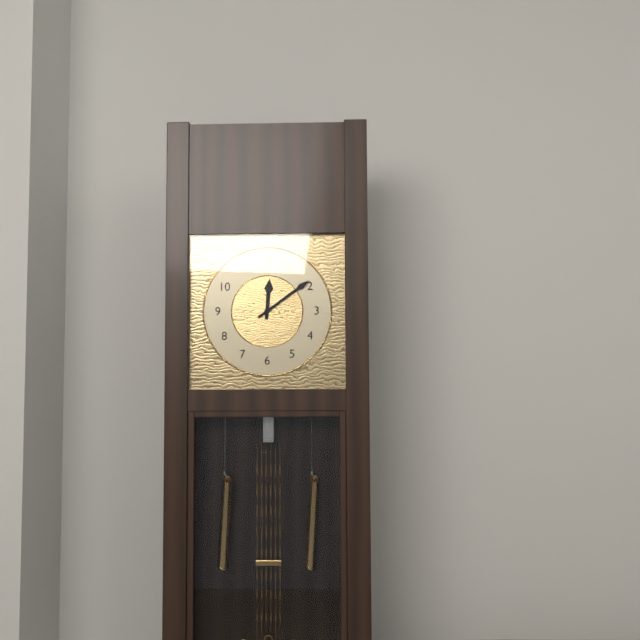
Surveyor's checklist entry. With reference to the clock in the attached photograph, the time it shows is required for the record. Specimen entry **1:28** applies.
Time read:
**12:09**
